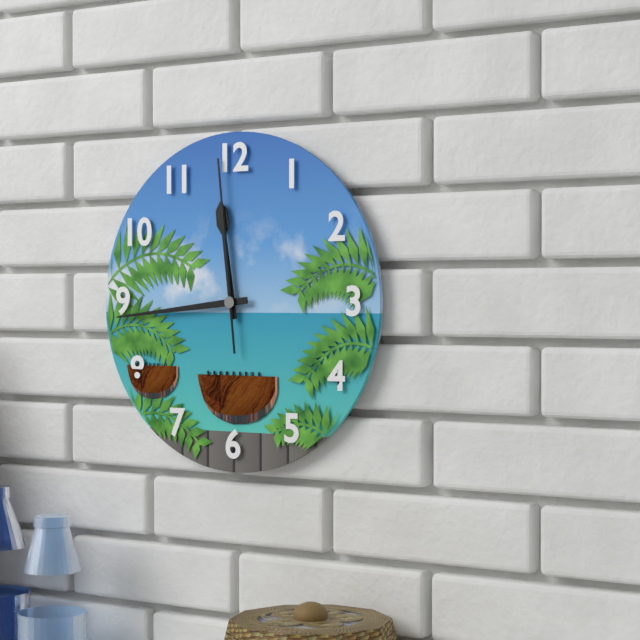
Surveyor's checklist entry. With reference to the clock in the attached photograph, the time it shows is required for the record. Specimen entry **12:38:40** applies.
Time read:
**11:44:59**
